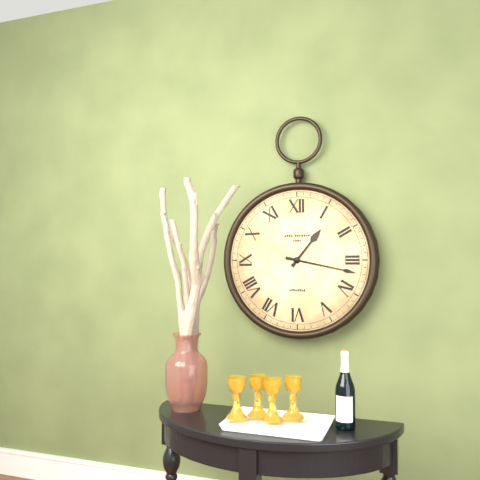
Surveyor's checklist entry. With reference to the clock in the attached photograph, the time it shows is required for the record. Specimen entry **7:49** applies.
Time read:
**1:17**
